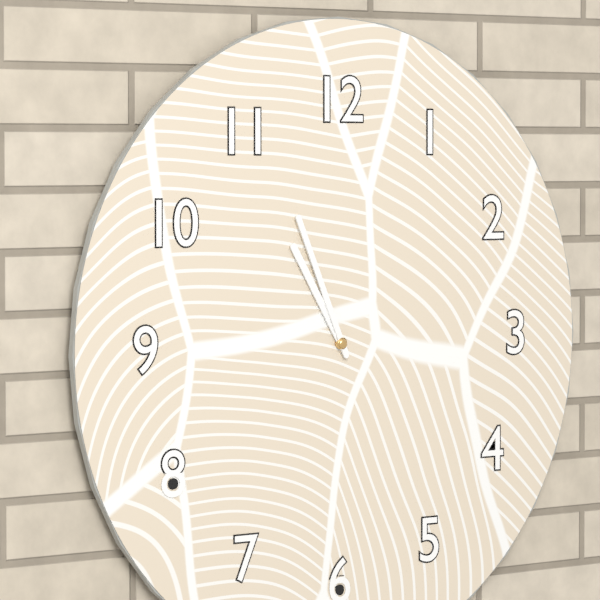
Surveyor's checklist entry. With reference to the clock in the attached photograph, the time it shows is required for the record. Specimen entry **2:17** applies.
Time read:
**10:56**
